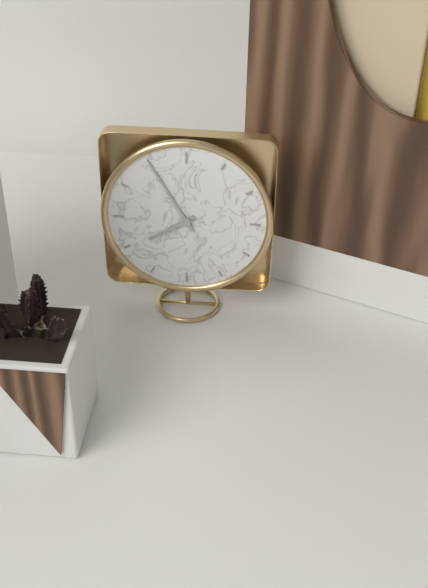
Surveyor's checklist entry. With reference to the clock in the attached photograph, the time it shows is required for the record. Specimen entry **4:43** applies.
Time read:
**7:55**
